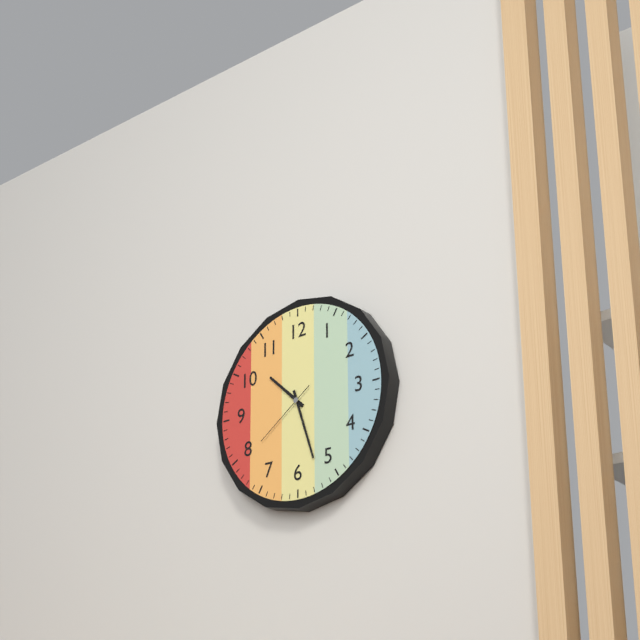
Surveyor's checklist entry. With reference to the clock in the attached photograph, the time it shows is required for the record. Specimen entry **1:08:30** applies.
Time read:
**10:27:39**
